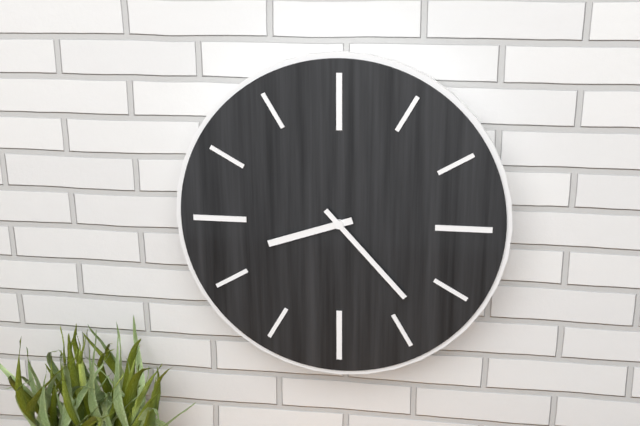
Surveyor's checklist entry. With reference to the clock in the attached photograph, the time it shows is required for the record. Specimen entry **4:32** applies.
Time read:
**8:23**
